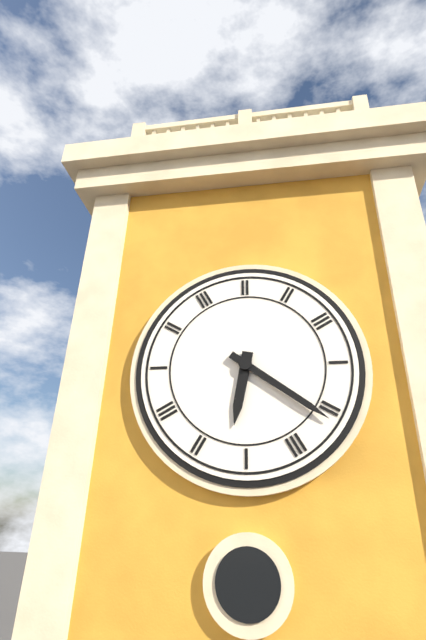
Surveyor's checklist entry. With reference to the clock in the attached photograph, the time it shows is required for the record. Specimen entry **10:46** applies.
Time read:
**6:21**
